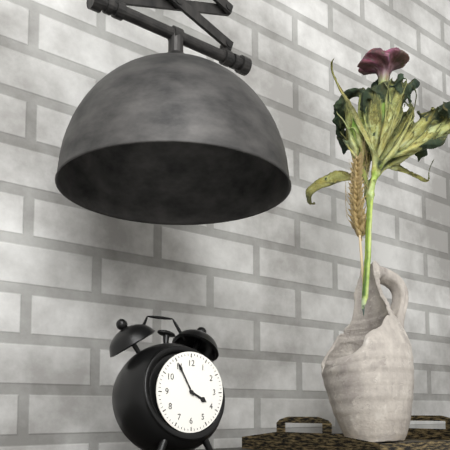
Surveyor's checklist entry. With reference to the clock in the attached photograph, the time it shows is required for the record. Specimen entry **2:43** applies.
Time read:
**3:55**
